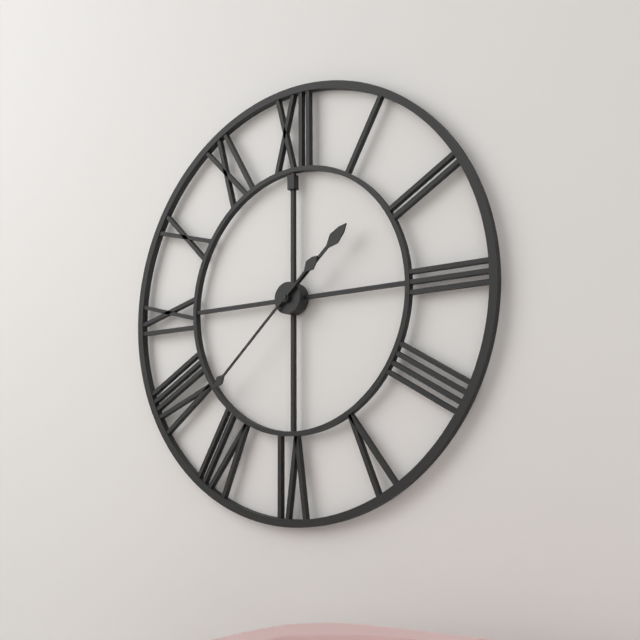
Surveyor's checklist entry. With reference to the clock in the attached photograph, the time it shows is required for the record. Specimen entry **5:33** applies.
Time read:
**1:38**
